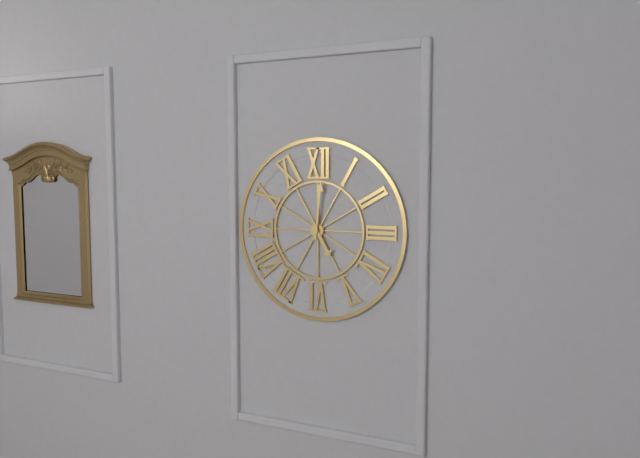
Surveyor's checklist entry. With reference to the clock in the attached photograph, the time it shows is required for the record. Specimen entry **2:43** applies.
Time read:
**5:01**
